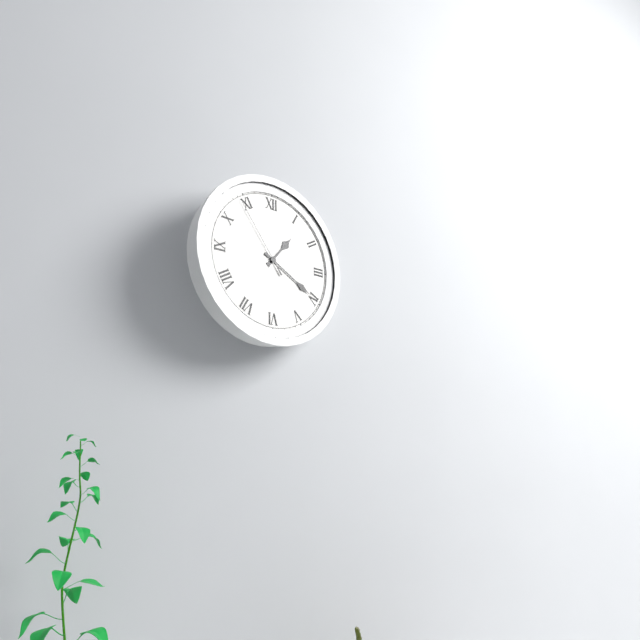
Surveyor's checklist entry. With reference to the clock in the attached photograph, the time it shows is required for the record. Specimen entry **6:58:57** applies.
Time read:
**1:20:54**
